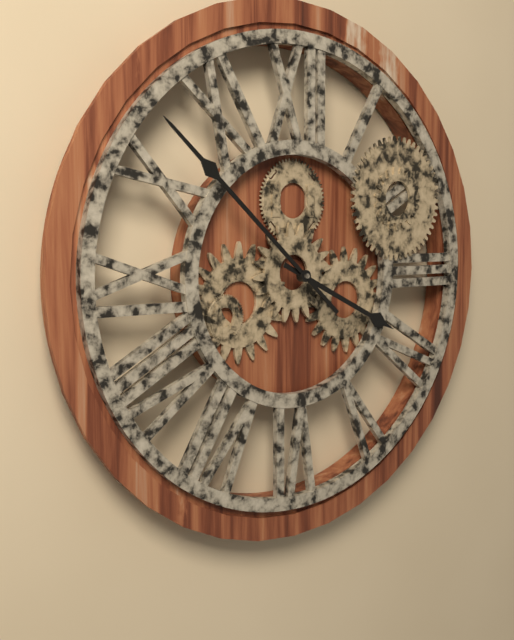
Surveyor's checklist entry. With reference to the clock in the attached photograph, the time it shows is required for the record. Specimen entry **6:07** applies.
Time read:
**3:52**
